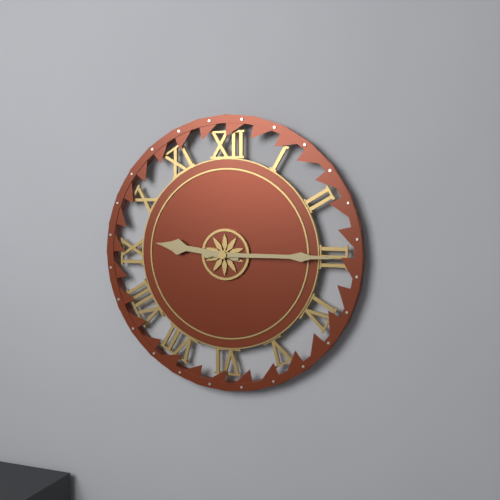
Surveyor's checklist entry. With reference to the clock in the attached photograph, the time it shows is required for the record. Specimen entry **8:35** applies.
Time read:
**9:15**
